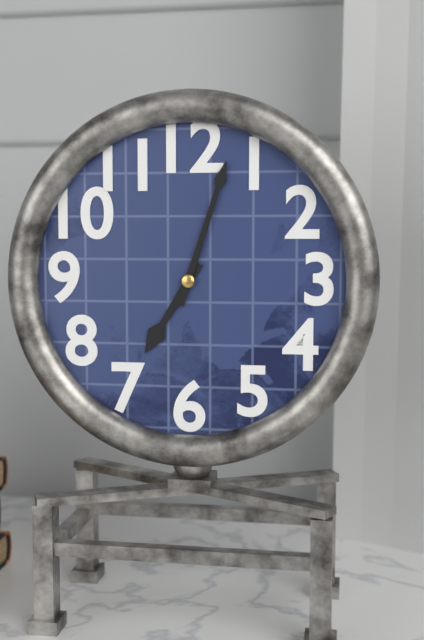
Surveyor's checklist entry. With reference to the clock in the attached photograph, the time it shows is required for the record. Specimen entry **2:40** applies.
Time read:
**7:03**
